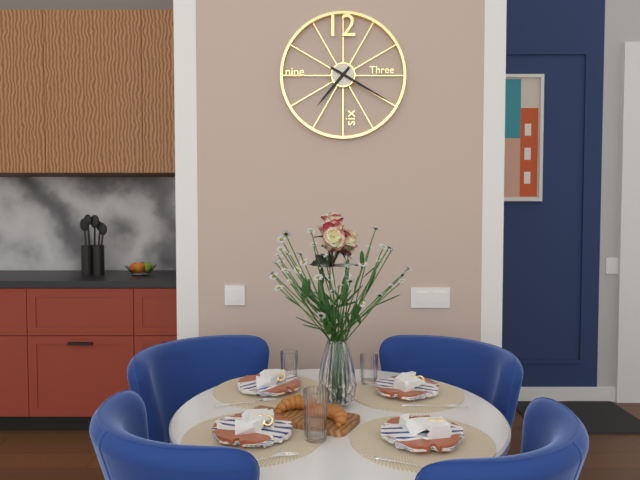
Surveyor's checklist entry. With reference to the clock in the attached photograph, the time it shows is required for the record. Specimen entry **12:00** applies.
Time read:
**7:20**
